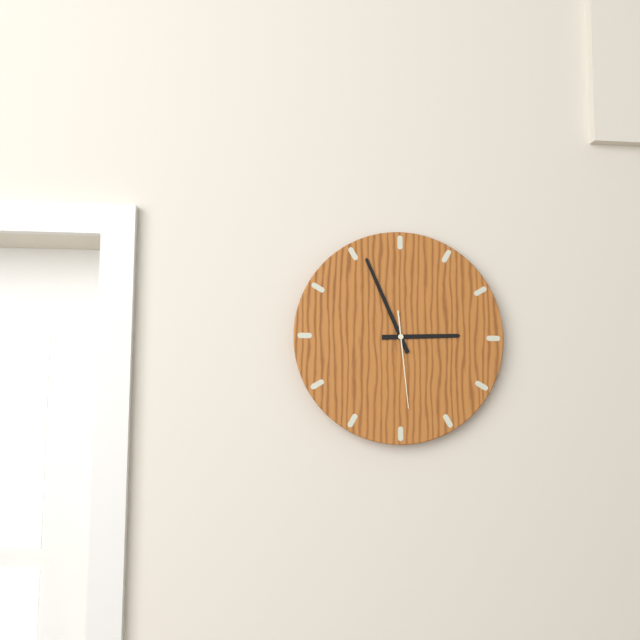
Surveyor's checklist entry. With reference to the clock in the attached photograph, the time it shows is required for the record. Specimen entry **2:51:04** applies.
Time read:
**2:56:29**
